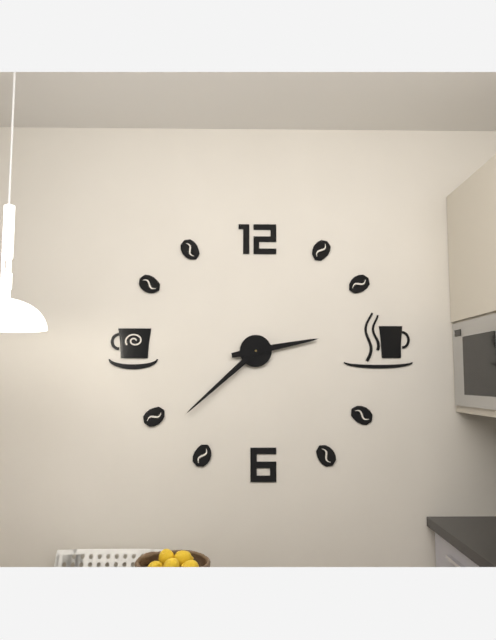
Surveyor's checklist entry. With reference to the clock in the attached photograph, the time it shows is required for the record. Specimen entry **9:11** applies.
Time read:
**2:38**
